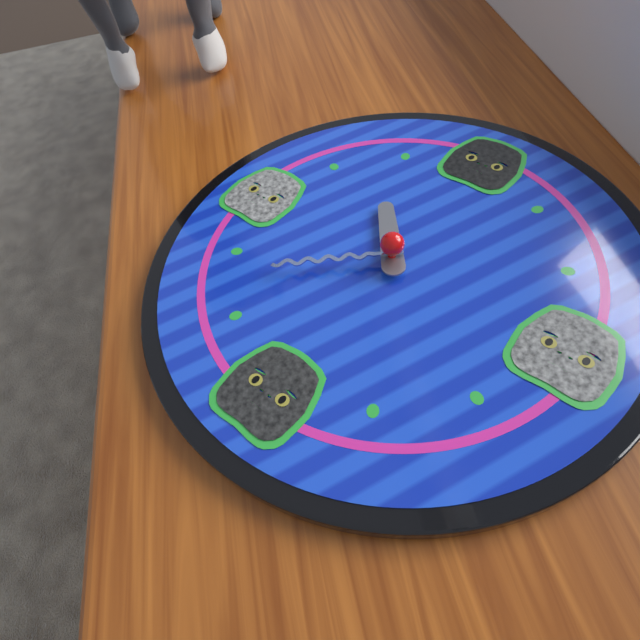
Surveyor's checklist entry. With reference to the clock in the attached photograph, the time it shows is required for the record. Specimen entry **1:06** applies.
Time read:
**10:38**
